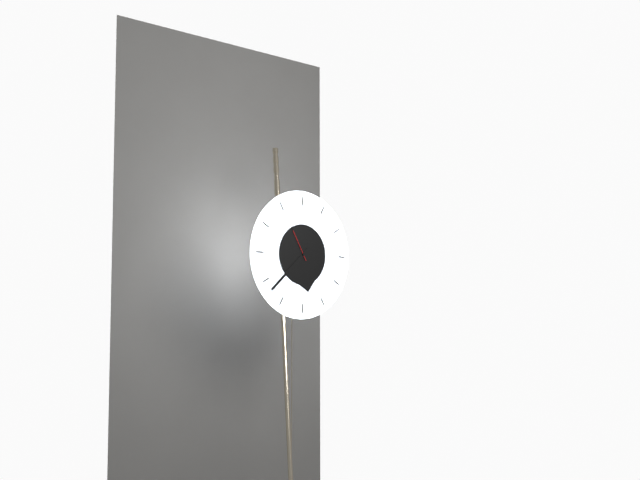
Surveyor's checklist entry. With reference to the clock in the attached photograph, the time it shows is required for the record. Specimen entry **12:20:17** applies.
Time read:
**5:38:55**
